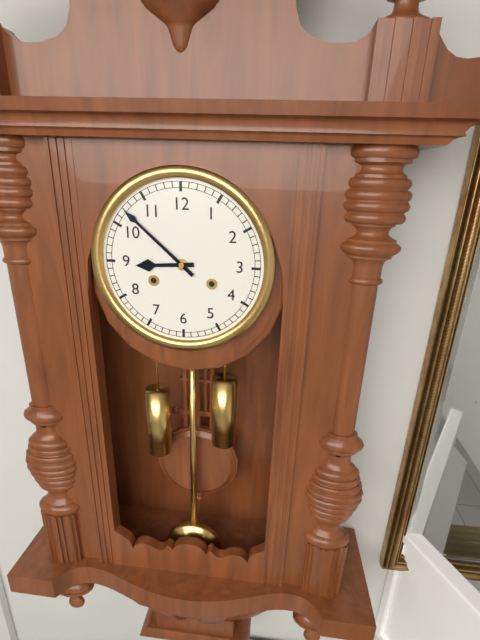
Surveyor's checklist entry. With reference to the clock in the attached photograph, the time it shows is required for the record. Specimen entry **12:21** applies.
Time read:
**8:52**
